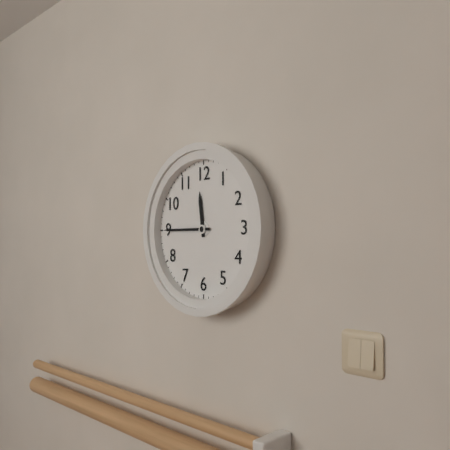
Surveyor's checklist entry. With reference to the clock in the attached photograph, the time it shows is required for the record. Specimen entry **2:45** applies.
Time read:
**11:45**
